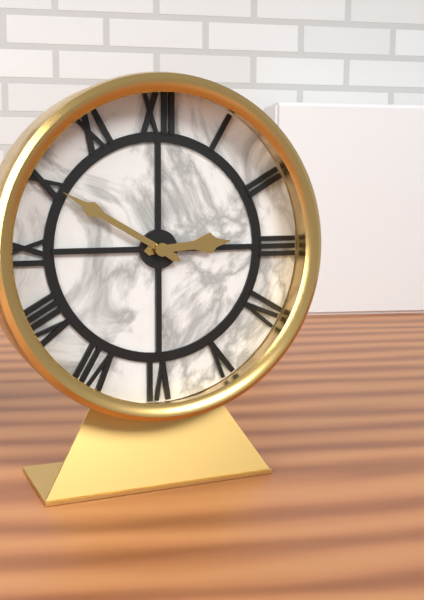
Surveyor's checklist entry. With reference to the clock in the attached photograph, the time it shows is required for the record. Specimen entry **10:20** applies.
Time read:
**2:50**
